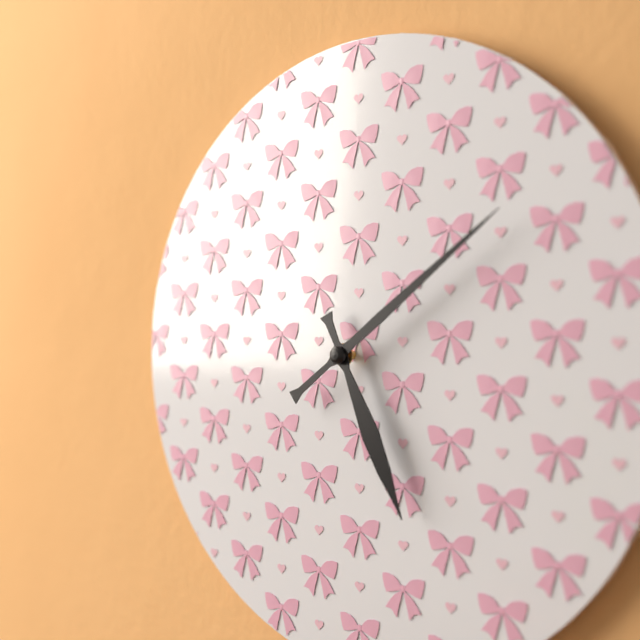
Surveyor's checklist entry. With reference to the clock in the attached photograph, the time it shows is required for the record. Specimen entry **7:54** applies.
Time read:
**5:09**
